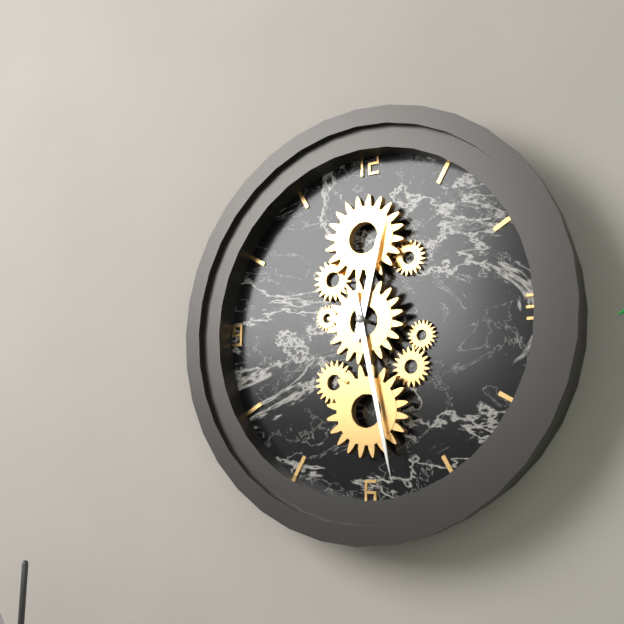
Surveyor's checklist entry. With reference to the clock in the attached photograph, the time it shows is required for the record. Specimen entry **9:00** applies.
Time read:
**12:28**
